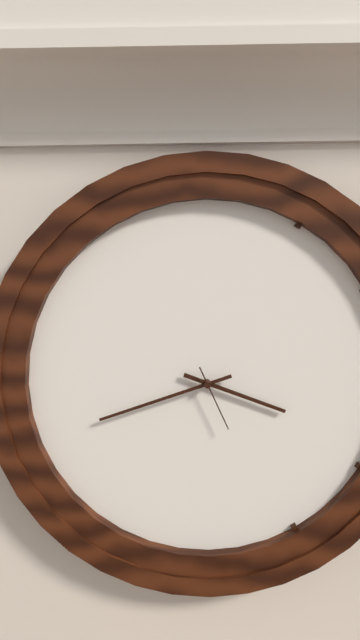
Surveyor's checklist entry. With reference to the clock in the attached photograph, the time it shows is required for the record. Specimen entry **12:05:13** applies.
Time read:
**3:42:26**
